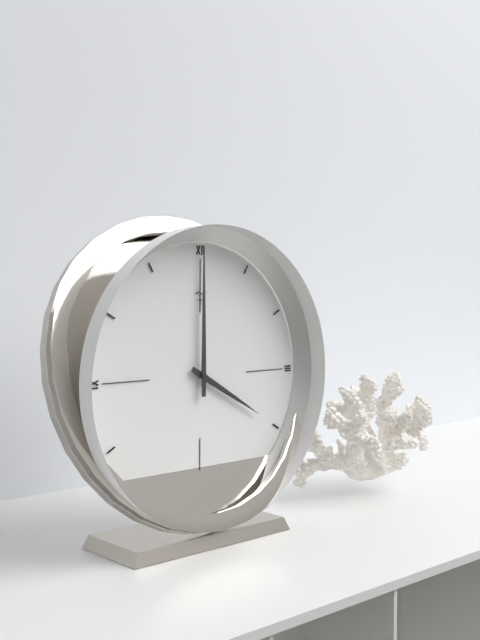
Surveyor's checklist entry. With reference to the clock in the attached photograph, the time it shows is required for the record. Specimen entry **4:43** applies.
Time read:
**4:00**
